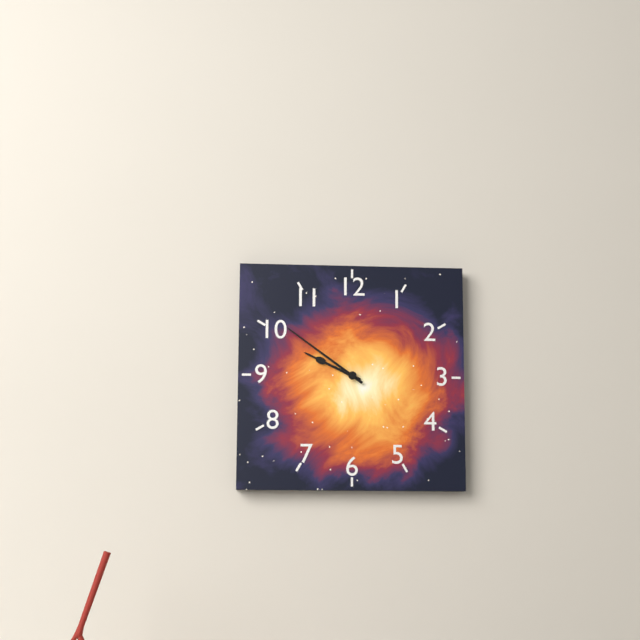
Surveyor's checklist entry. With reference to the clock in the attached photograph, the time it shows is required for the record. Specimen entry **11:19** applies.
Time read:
**9:51**
